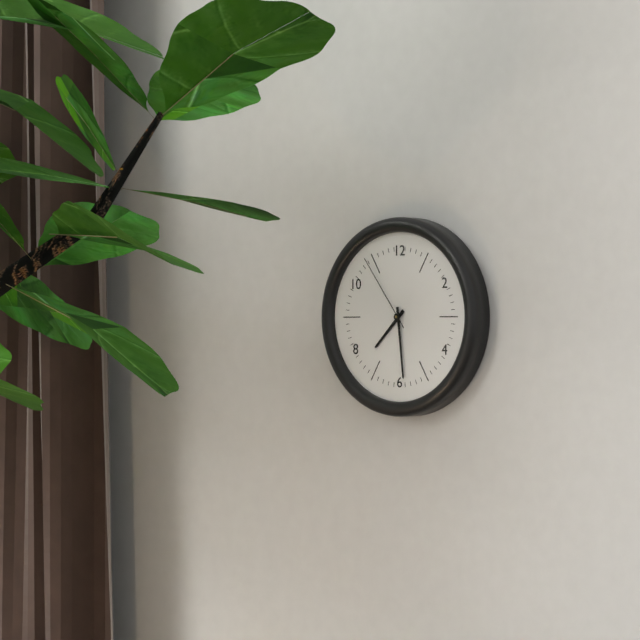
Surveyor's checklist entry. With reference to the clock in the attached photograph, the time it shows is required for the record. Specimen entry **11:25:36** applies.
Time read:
**7:29:54**
